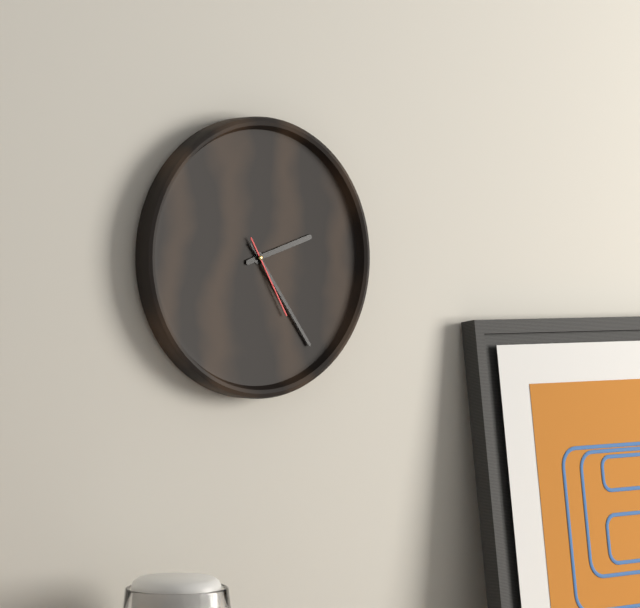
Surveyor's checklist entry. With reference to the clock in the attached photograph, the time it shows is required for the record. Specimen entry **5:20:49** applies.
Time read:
**2:24:25**
